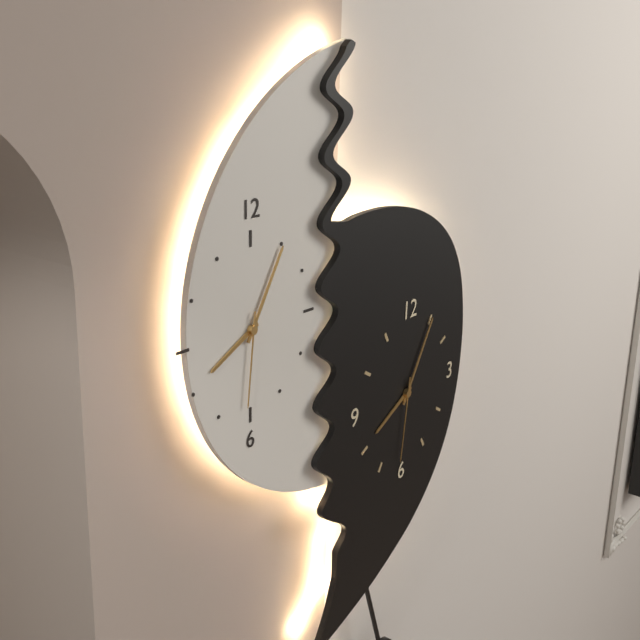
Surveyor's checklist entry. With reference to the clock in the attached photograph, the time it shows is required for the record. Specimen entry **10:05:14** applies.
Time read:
**8:05:31**
